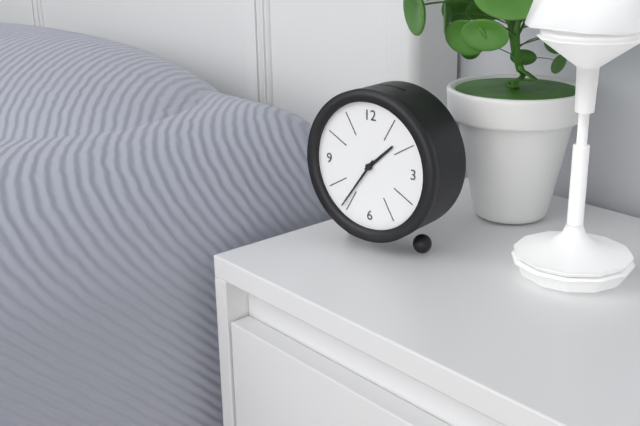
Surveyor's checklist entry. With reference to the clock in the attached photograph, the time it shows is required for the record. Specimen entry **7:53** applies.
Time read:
**1:36**
